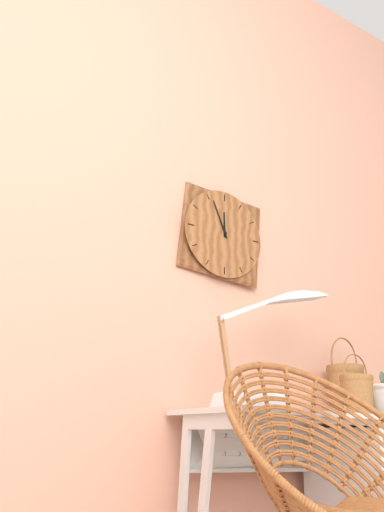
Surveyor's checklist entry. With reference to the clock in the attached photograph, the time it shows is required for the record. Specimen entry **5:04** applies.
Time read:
**11:56**
